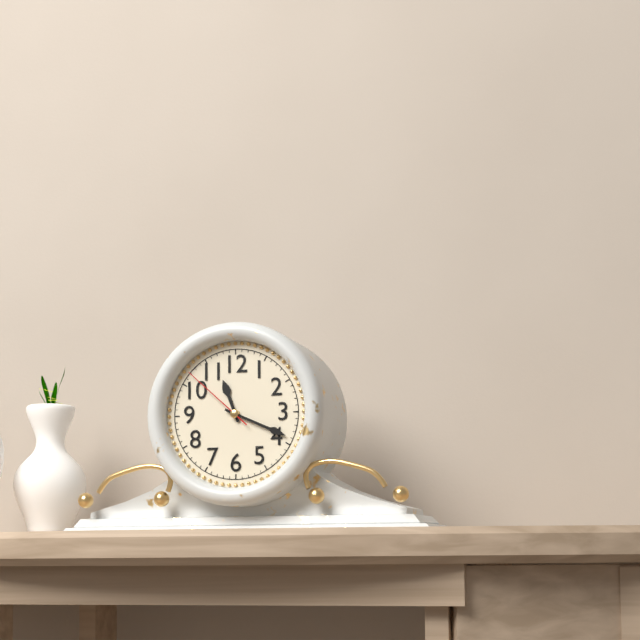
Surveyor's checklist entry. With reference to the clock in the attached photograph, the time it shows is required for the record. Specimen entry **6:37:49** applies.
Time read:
**11:19:52**
